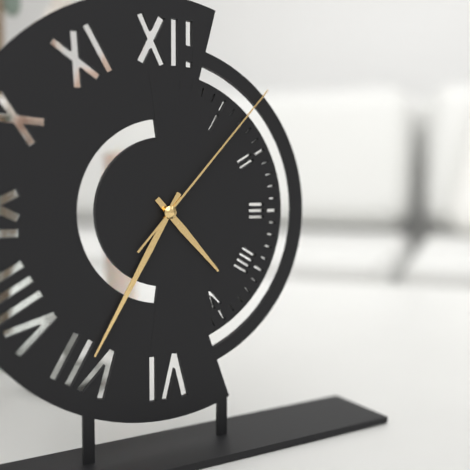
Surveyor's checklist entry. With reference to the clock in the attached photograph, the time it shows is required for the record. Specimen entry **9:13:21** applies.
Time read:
**4:35:07**
